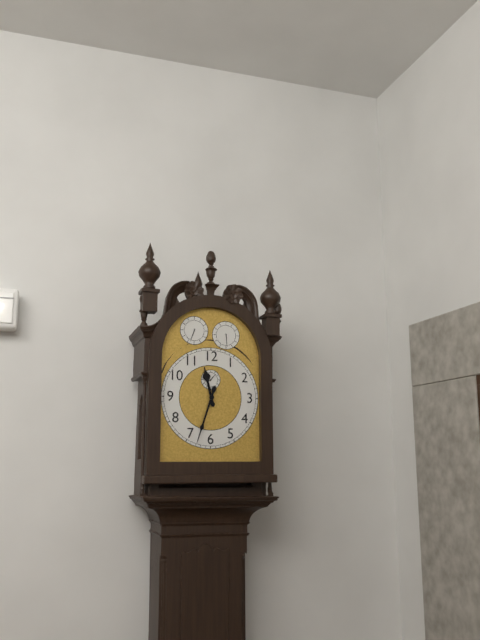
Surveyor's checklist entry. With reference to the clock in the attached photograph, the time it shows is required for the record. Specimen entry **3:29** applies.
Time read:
**11:33**
